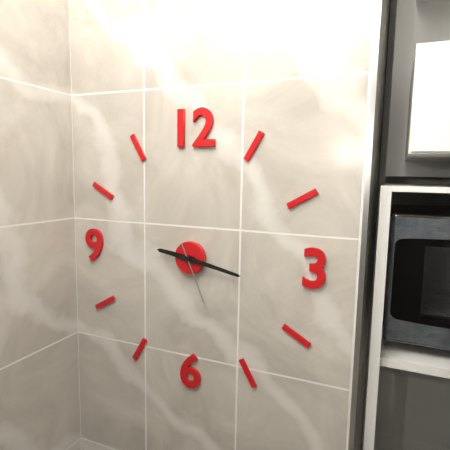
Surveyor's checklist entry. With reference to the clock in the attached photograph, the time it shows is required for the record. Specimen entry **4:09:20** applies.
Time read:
**9:17:26**
